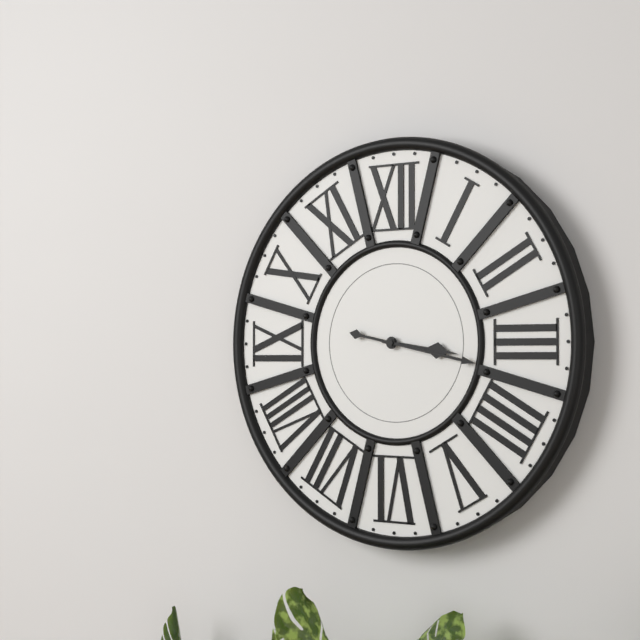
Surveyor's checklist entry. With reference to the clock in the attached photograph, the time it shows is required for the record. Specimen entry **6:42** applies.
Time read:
**3:17**
